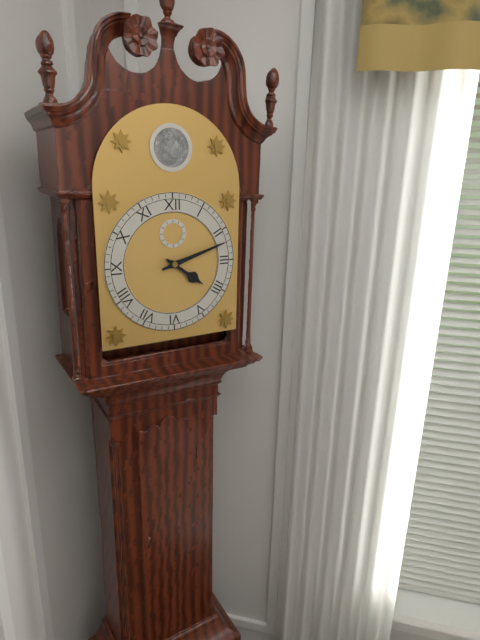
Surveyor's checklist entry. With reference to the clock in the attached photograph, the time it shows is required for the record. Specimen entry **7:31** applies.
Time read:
**4:12**
